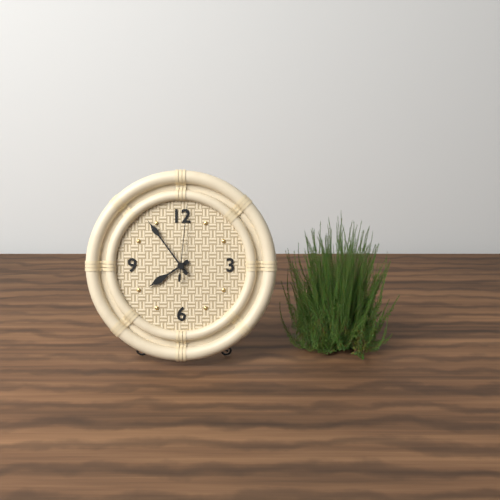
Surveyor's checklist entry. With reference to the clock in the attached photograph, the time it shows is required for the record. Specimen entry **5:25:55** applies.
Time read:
**7:54:01**
